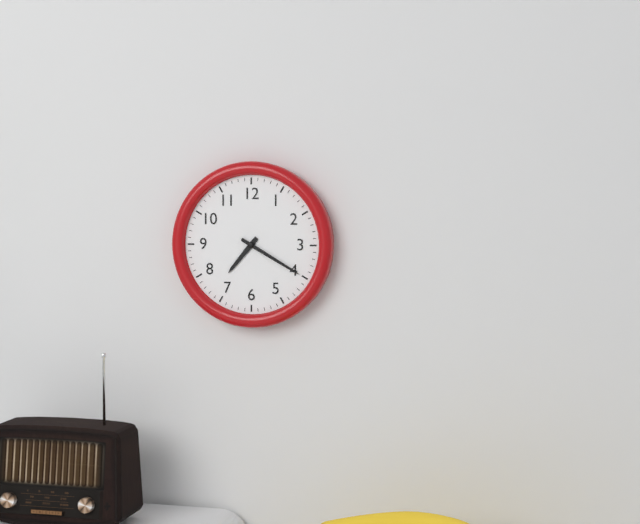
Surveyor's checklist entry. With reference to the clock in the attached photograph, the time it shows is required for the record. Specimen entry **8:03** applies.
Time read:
**7:20**
